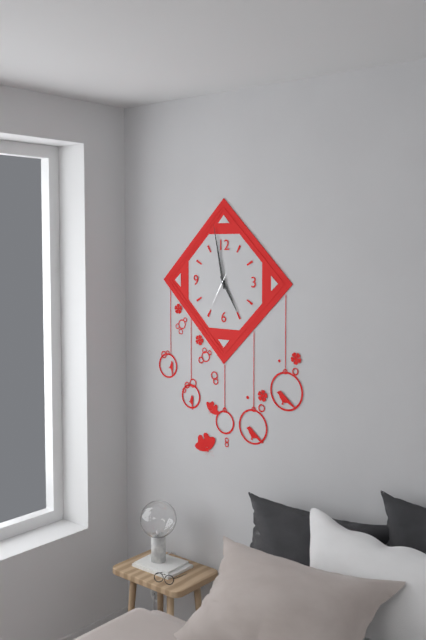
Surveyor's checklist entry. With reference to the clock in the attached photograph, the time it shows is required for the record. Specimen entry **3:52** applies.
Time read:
**4:58**
